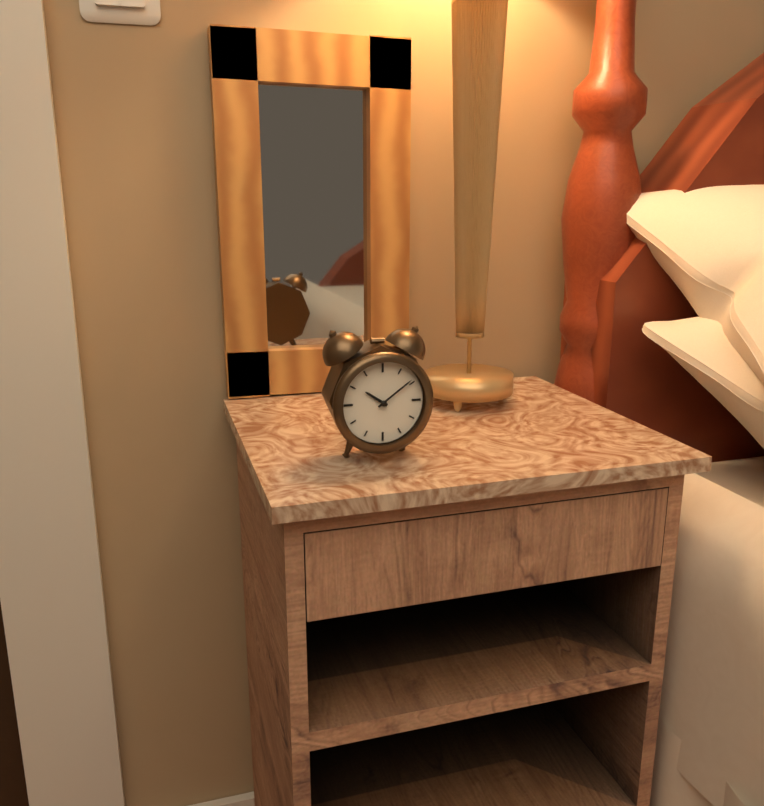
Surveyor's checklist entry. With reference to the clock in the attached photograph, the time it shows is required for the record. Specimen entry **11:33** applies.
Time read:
**10:09**
